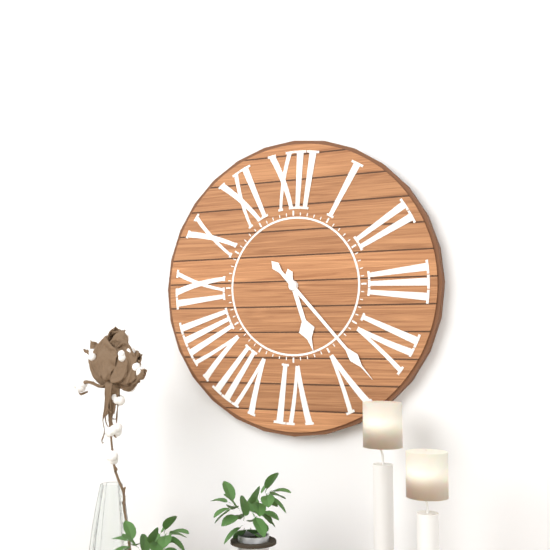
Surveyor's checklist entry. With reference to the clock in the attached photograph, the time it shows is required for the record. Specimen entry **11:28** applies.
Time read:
**5:23**
